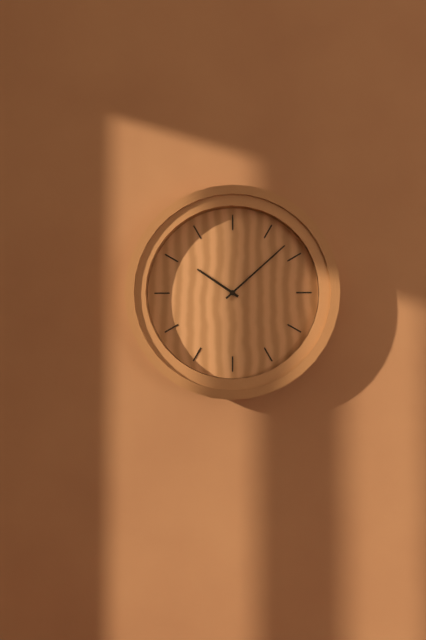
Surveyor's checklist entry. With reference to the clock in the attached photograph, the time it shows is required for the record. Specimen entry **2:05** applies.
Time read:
**10:08**
